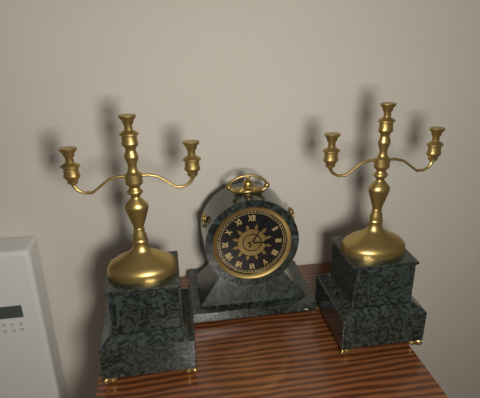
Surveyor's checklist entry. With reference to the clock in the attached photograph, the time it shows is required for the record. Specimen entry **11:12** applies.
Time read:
**3:05**
